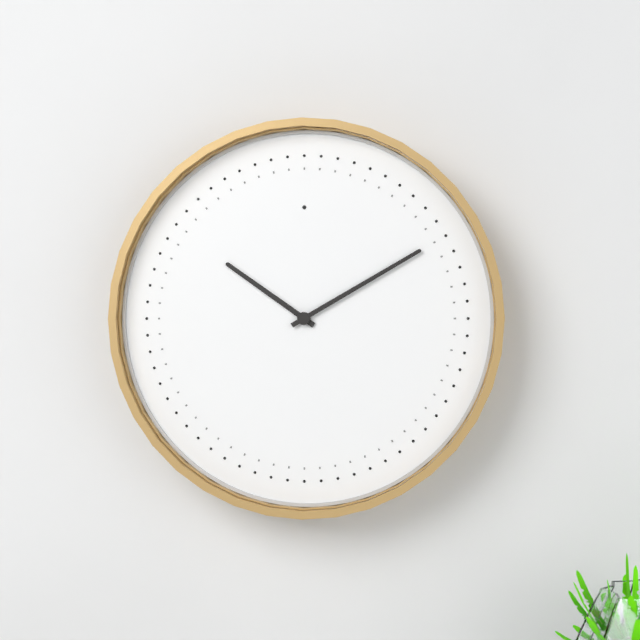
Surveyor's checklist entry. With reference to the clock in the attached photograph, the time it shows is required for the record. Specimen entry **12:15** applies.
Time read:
**10:10**
